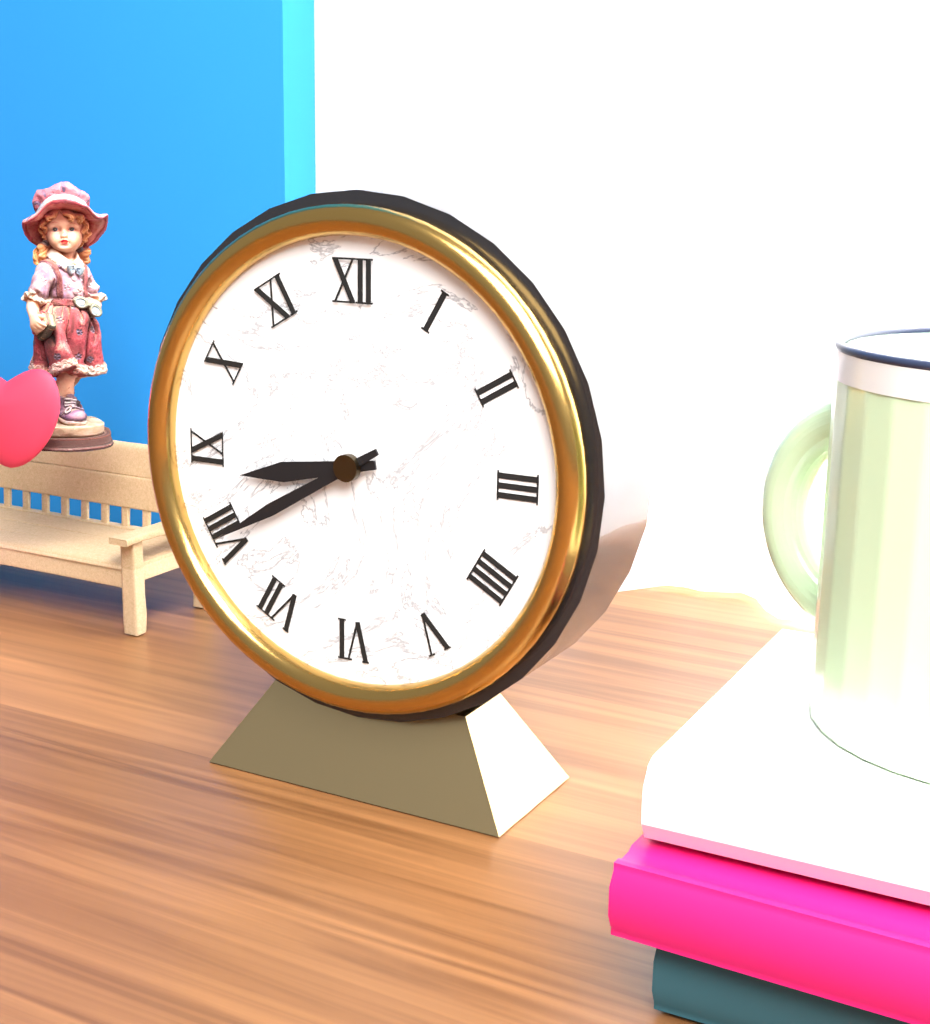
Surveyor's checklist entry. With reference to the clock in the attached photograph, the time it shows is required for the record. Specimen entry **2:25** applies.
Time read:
**8:40**
